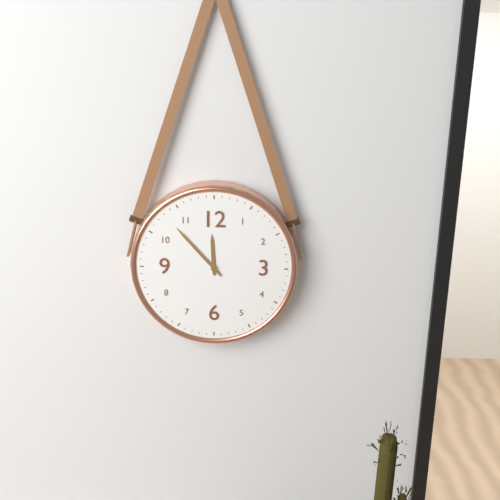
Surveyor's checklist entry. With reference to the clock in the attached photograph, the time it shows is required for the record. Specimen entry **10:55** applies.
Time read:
**11:53**
